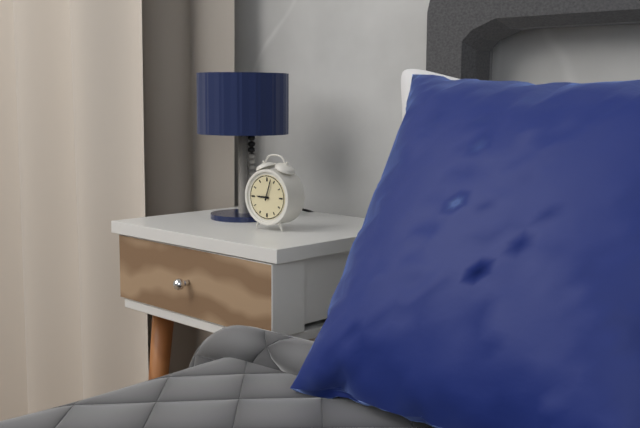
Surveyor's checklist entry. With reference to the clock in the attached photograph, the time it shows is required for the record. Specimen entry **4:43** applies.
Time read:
**9:03**
